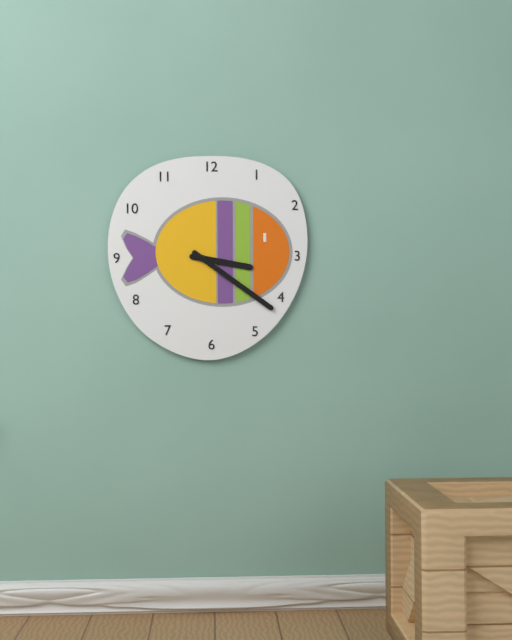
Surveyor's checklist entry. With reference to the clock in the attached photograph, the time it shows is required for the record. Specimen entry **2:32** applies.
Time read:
**3:21**
